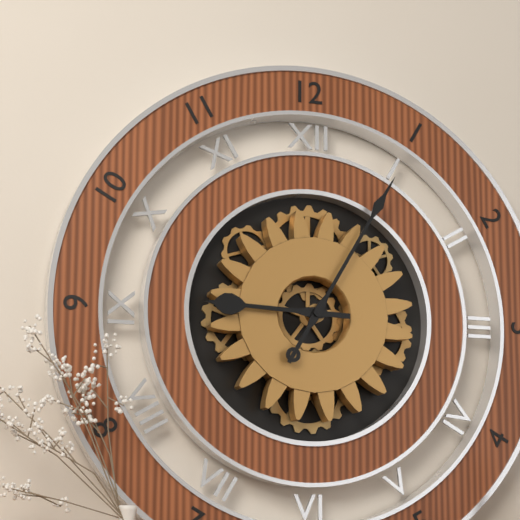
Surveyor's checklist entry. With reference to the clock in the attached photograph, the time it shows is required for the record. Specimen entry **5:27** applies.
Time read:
**9:05**
